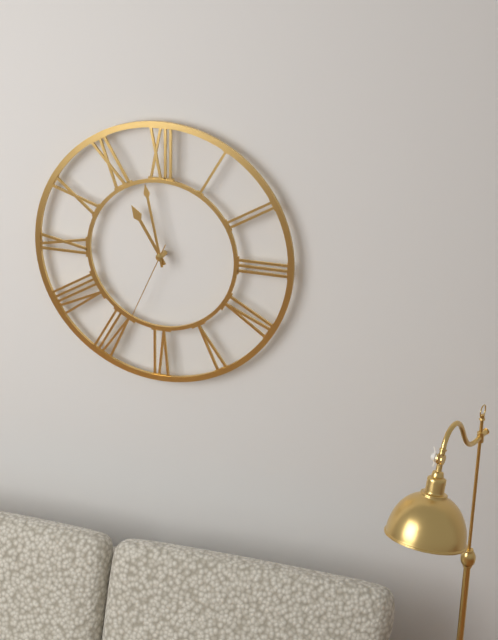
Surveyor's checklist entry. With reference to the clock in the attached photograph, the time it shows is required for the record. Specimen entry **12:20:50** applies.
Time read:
**10:58:34**
